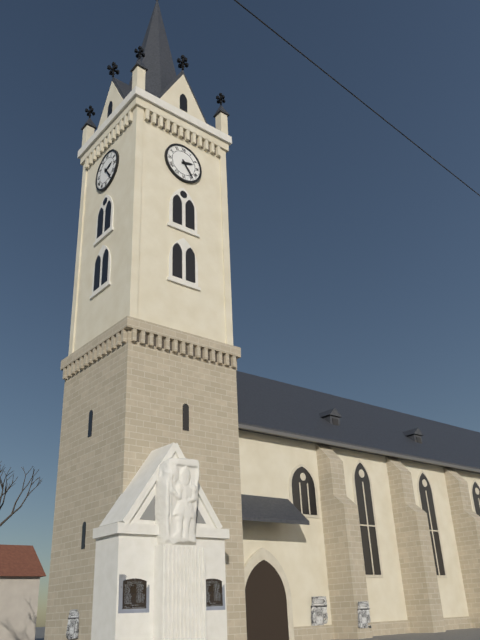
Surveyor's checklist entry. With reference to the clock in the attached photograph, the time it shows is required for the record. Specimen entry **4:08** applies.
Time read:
**2:24**
